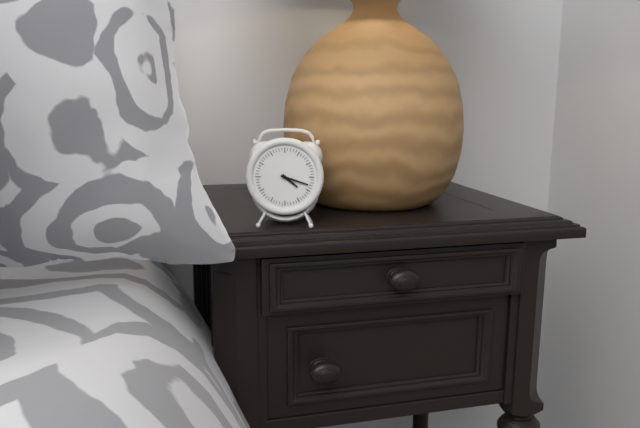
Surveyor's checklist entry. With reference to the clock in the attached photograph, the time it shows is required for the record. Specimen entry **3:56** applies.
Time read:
**4:18**
